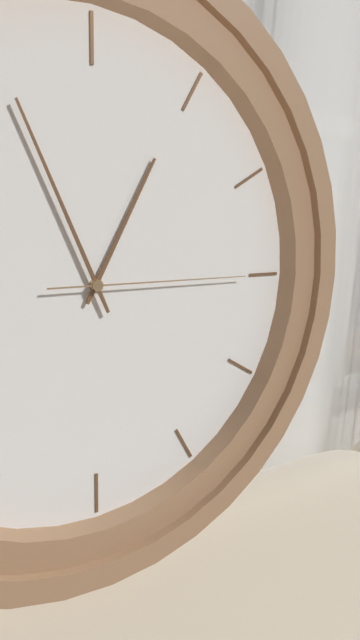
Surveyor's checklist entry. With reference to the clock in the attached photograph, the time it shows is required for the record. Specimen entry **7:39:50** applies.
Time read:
**12:56:15**
